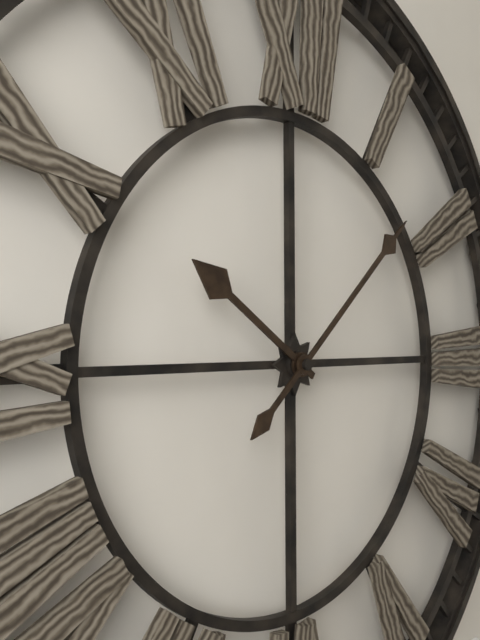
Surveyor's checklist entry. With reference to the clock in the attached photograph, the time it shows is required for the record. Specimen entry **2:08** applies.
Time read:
**10:08**
